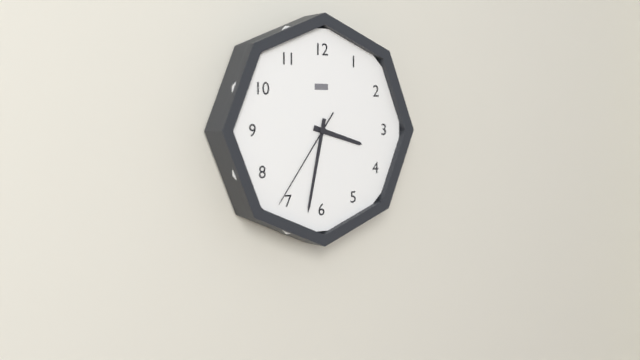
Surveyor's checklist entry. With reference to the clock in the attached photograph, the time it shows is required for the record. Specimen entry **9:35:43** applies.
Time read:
**3:32:36**
